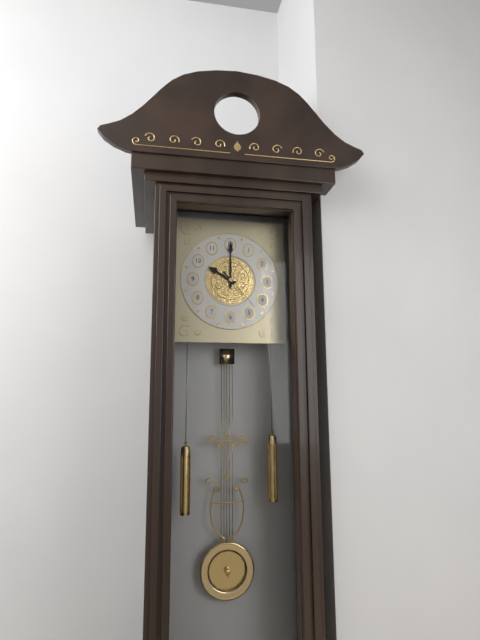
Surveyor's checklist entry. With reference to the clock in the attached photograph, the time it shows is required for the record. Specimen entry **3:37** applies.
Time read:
**10:00**
